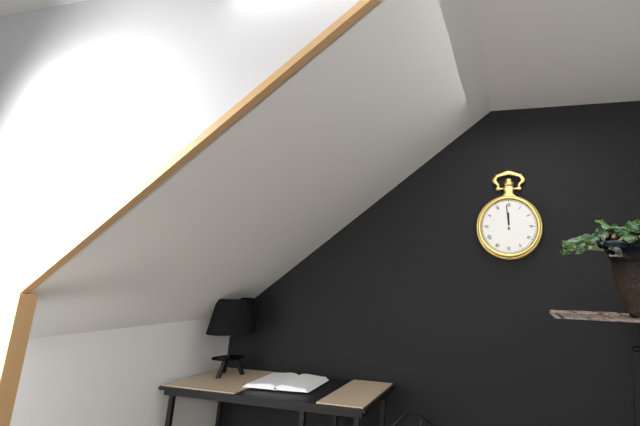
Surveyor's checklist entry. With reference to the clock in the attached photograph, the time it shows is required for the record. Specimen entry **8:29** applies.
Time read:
**11:59**
